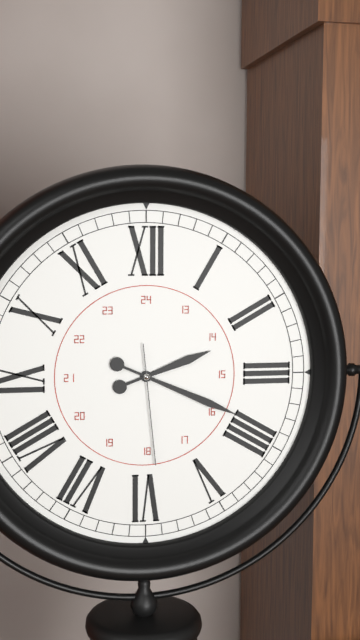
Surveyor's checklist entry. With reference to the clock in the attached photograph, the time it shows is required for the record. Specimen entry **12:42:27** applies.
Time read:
**2:19:29**
